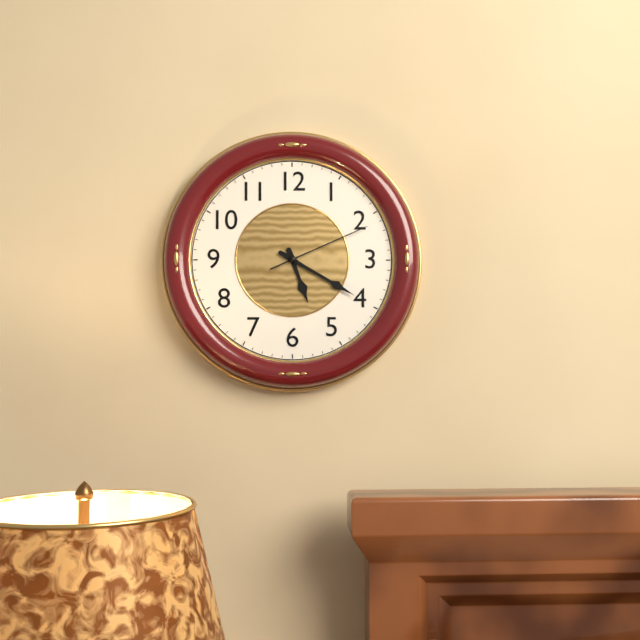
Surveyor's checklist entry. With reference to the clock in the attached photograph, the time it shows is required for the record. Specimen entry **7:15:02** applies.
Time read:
**5:20:11**
